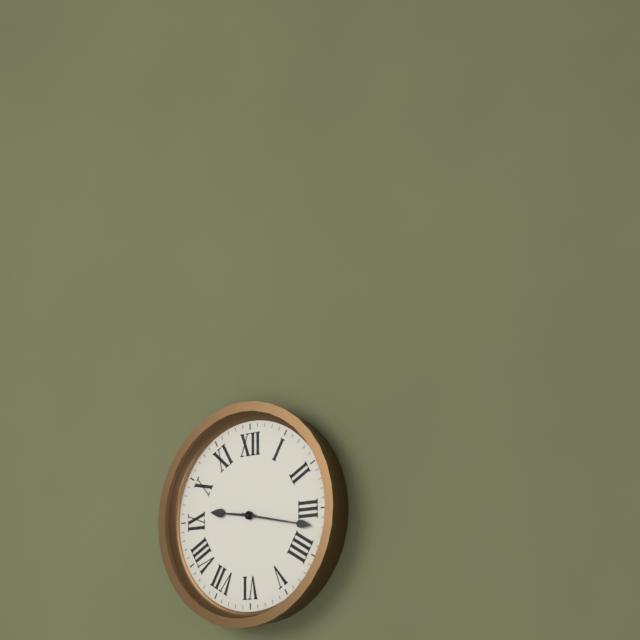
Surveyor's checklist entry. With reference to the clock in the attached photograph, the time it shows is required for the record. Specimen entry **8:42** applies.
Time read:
**9:17**
